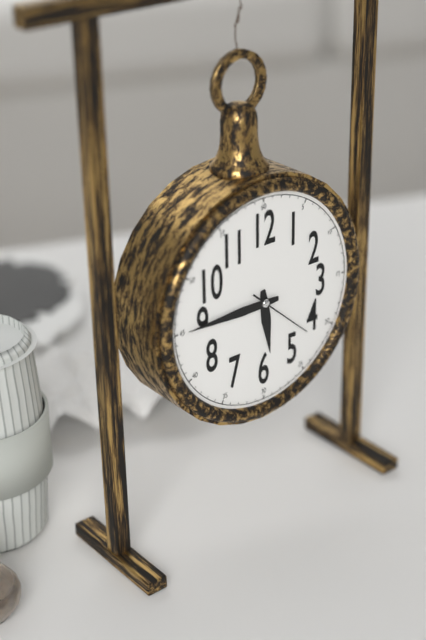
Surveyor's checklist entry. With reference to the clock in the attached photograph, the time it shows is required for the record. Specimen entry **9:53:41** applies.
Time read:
**5:45:22**
